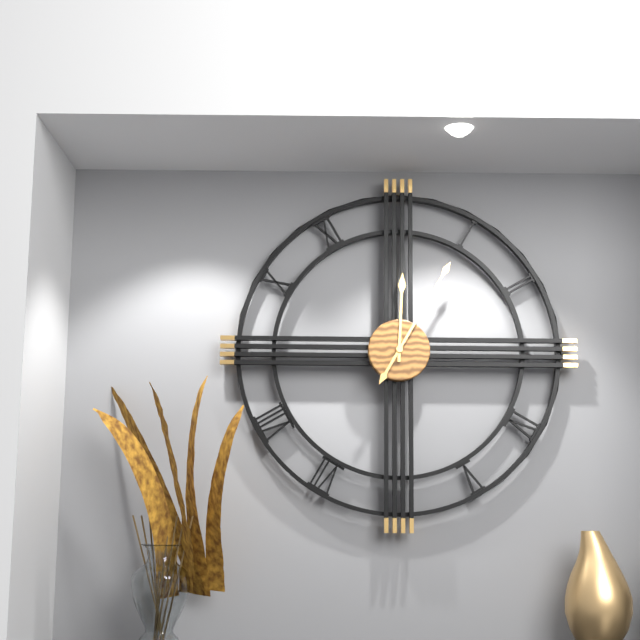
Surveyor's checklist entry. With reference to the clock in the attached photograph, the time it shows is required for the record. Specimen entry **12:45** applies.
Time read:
**12:05**
